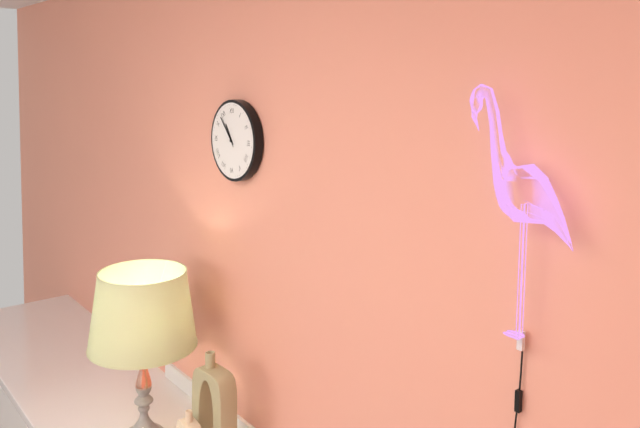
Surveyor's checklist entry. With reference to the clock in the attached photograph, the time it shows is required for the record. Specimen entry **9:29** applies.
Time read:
**10:53**
